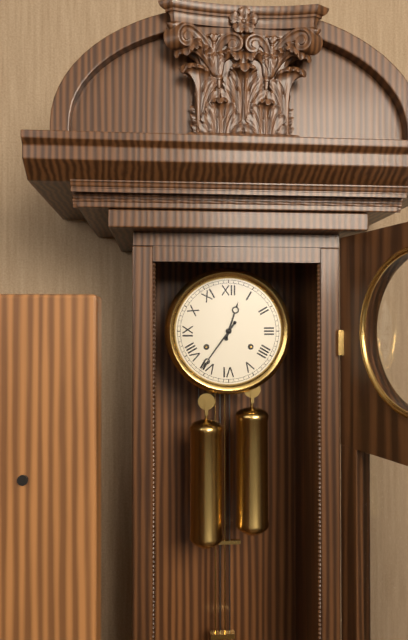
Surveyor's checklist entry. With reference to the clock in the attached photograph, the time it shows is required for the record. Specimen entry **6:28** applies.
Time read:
**12:36**
